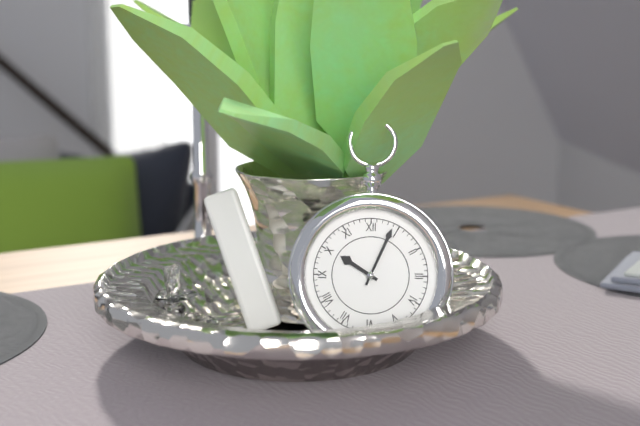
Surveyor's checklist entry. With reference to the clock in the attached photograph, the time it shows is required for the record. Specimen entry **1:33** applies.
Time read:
**10:04**
